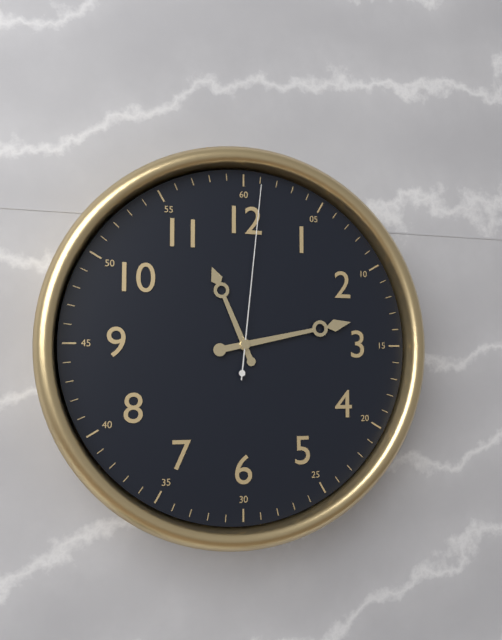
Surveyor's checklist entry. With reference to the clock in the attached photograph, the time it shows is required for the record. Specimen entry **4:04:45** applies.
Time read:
**11:13:01**
